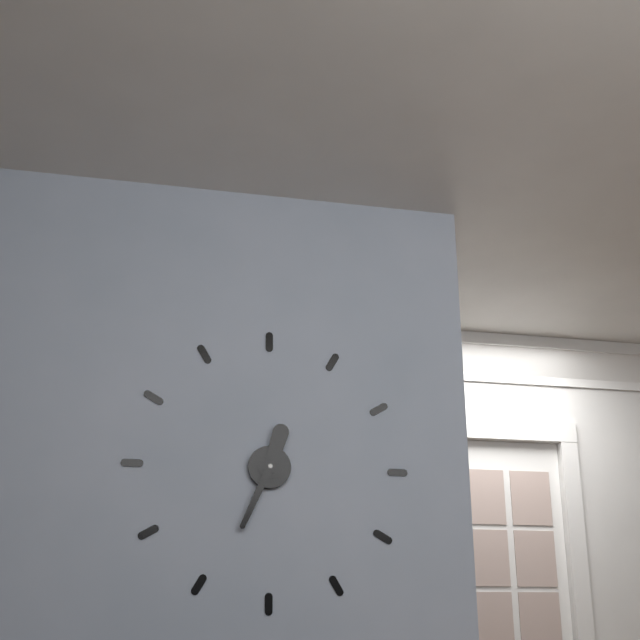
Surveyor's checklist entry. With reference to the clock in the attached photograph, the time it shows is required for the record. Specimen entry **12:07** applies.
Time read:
**12:34**
